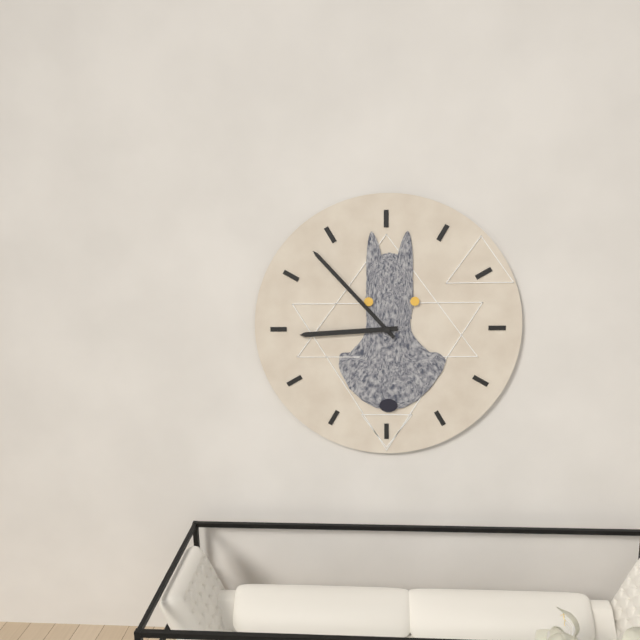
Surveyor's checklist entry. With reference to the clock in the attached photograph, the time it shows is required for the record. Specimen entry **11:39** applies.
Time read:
**8:53**
